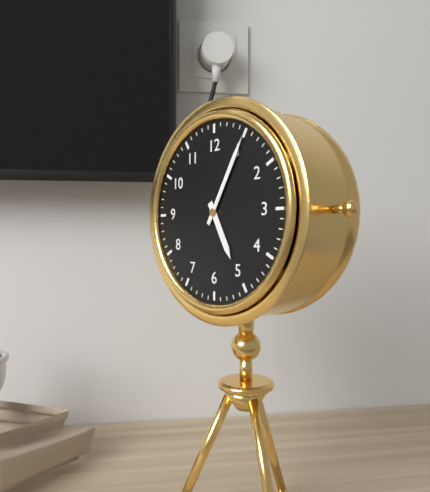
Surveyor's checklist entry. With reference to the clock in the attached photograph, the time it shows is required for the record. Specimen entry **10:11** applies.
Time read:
**5:05**
